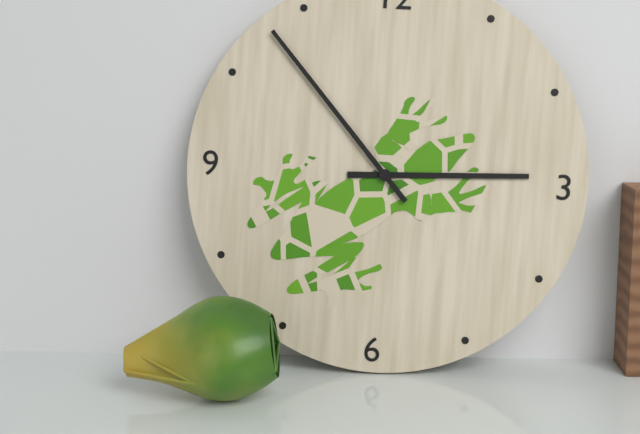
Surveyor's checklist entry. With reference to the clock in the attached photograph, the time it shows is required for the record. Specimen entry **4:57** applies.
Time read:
**2:53**
